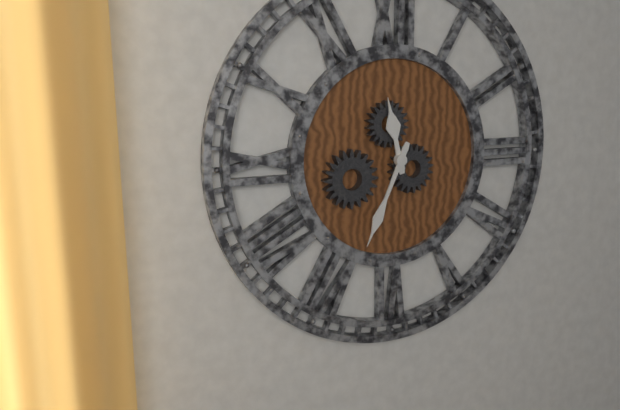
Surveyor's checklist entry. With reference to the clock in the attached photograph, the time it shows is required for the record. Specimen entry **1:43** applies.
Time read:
**11:34**
